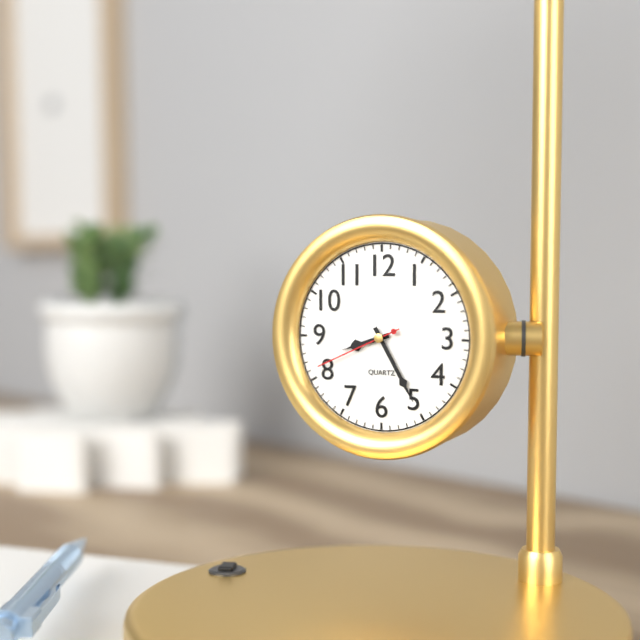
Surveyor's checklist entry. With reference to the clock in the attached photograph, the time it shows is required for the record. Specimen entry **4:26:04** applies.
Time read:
**8:25:41**
